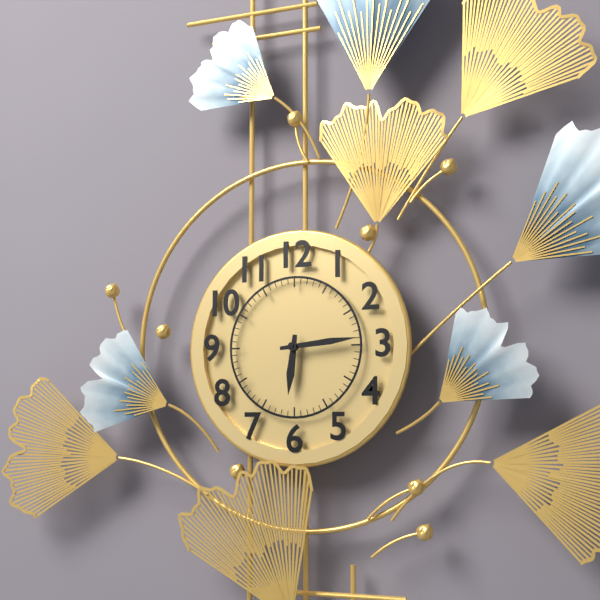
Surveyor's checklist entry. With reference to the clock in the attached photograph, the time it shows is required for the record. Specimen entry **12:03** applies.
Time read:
**6:14**
